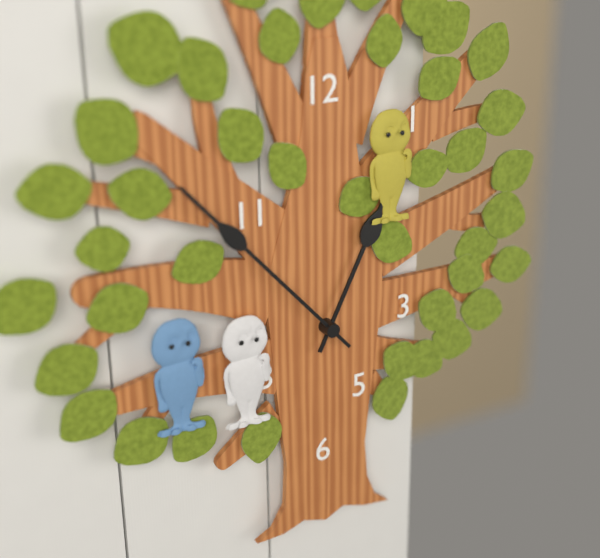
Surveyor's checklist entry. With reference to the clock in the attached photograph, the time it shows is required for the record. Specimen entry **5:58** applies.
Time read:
**12:53**
